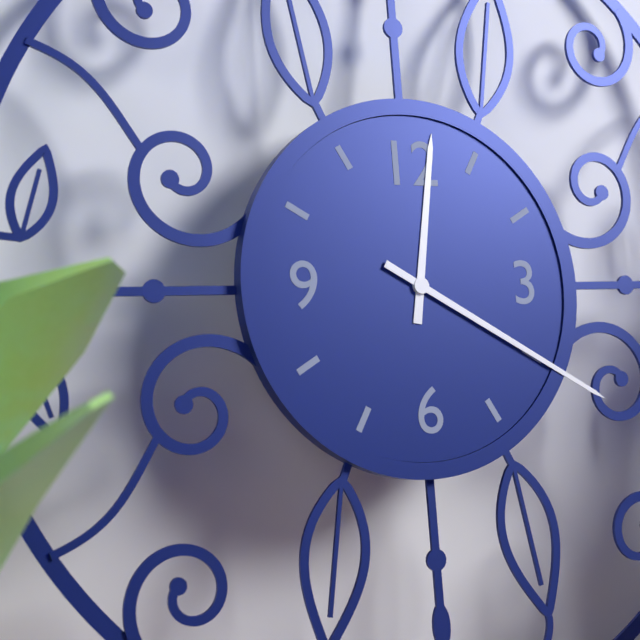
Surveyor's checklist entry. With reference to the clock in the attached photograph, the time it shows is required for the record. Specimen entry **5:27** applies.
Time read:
**12:20**
